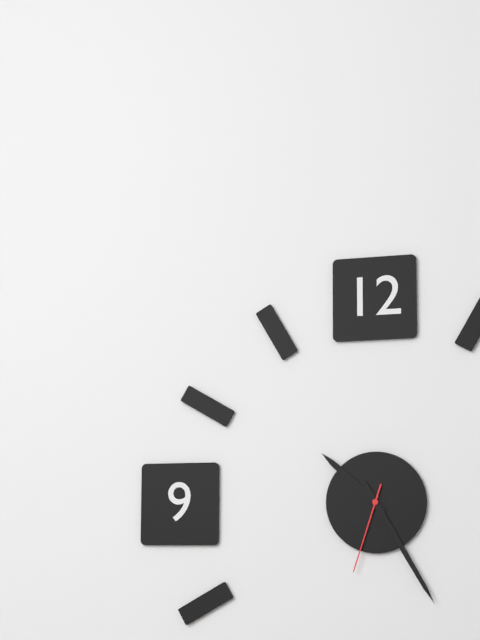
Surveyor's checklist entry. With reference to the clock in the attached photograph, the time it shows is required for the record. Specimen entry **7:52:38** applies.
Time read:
**10:25:33**
